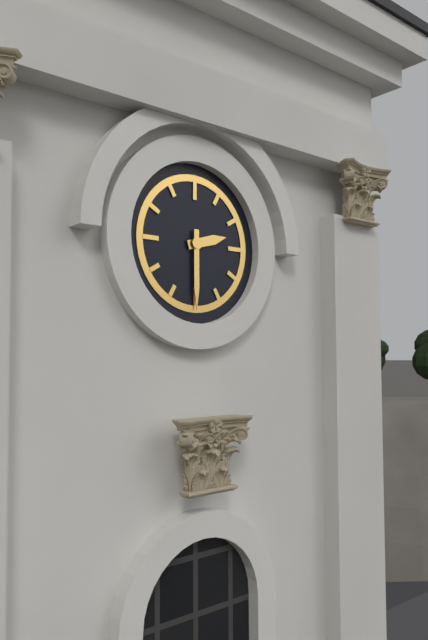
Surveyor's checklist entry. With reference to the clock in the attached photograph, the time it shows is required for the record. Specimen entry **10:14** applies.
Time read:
**2:30**
